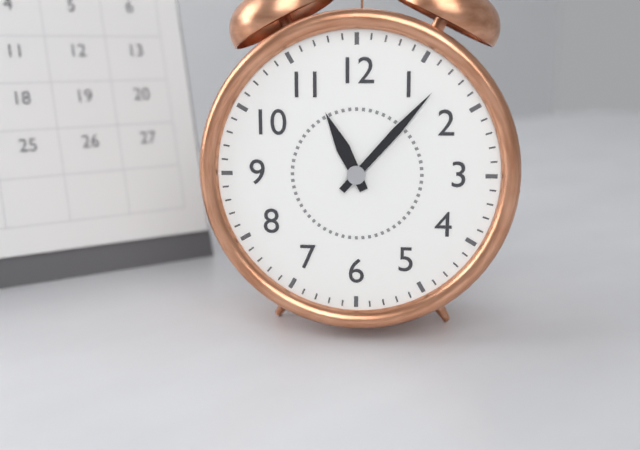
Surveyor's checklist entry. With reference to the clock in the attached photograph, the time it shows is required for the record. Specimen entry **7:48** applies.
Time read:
**11:07**
